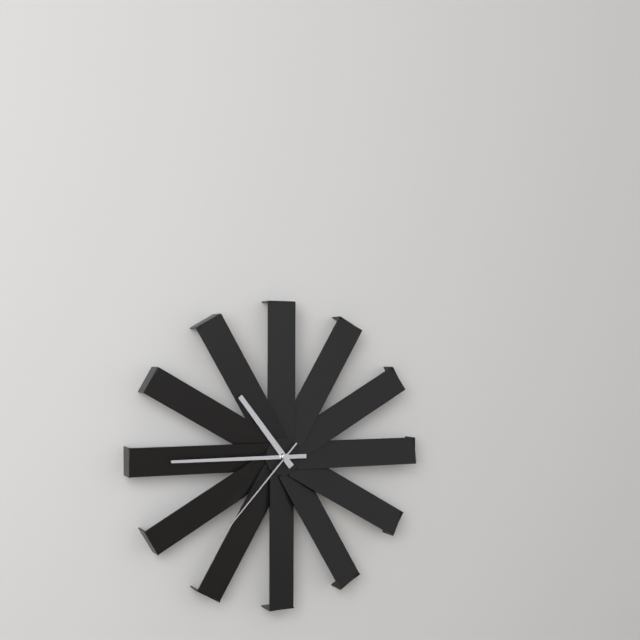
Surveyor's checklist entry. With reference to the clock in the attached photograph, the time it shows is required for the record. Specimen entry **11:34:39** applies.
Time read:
**10:45:37**
